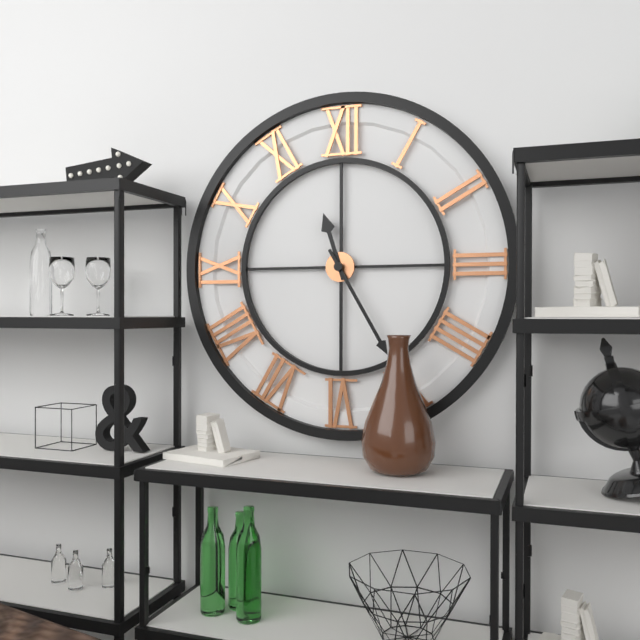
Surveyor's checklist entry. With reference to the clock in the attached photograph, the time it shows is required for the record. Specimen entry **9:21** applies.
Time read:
**11:25**
